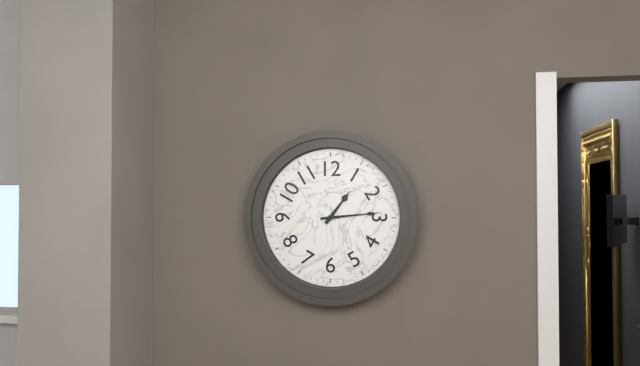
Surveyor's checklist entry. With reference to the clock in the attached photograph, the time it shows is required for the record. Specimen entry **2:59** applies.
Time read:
**1:14**
